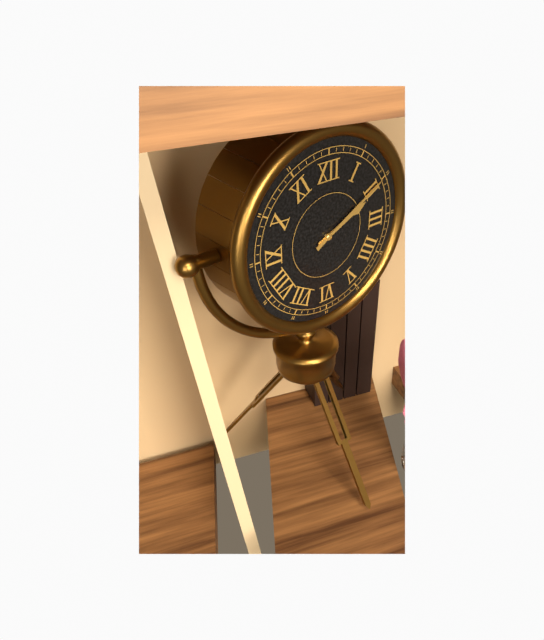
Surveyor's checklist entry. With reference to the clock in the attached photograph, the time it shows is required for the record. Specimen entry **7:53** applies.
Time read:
**2:10**
